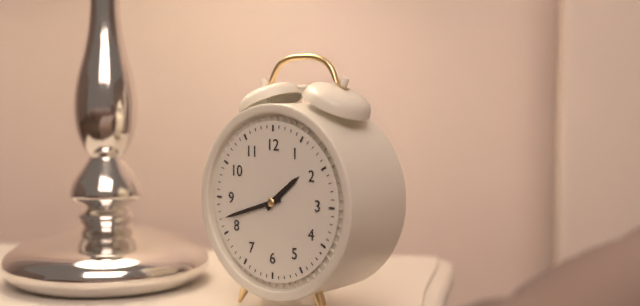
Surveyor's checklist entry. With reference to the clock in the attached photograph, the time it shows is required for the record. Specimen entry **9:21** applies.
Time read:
**1:42**
